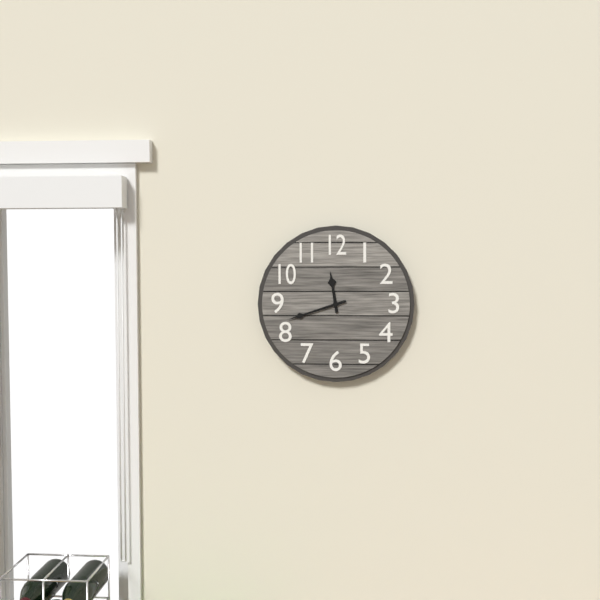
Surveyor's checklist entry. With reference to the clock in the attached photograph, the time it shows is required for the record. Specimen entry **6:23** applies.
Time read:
**11:42**
